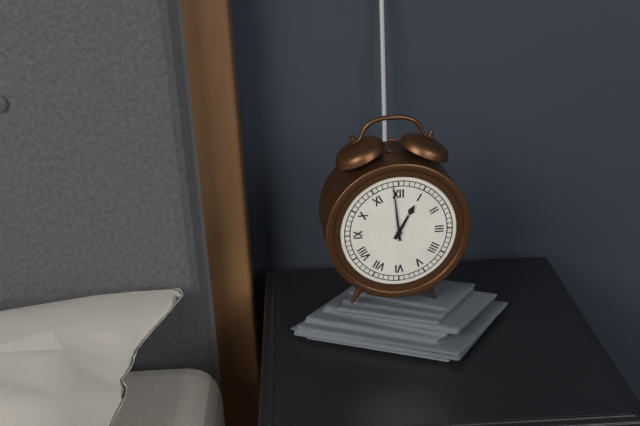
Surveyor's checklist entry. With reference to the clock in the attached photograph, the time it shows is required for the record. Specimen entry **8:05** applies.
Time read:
**12:59**
